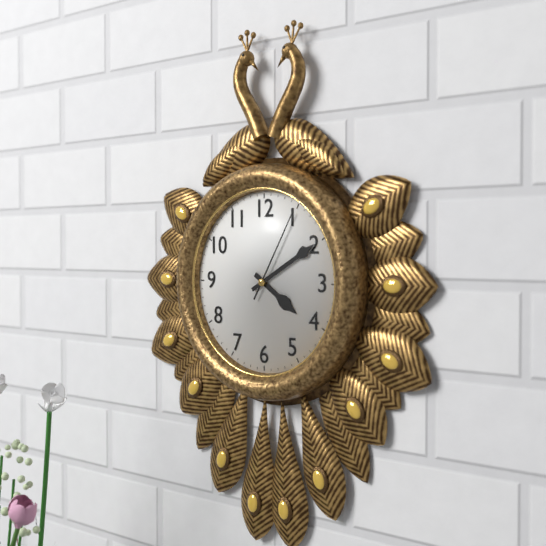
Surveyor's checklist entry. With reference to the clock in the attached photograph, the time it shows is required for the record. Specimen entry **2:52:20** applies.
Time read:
**4:10:05**
